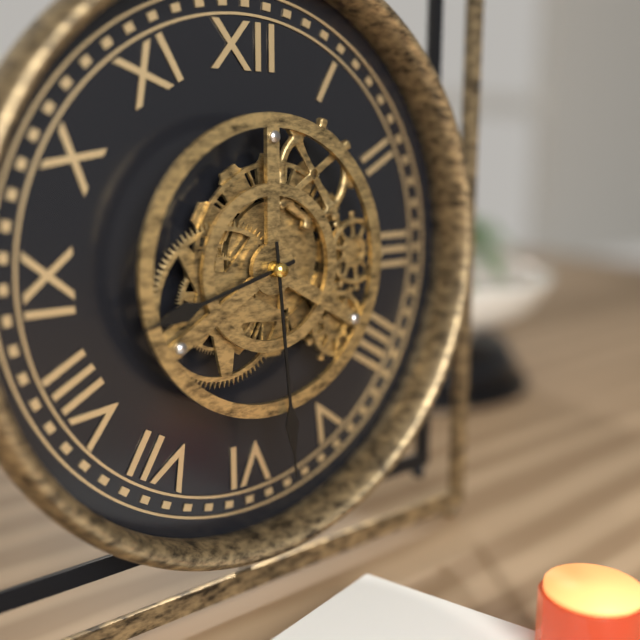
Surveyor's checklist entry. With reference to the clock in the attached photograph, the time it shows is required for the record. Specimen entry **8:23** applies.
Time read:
**8:29**
